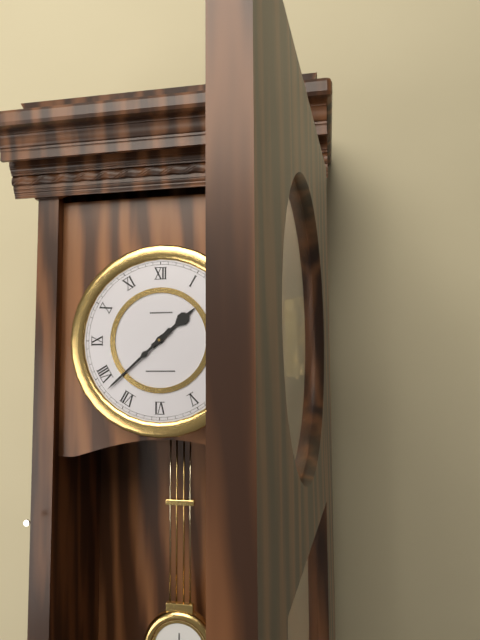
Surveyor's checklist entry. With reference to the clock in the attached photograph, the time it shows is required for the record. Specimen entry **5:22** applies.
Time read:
**1:38**
